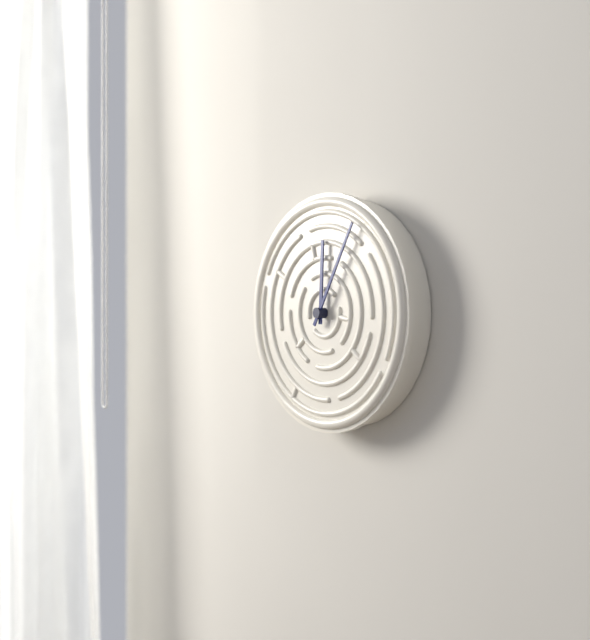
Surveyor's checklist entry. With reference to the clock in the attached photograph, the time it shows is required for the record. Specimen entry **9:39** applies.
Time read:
**12:05**
